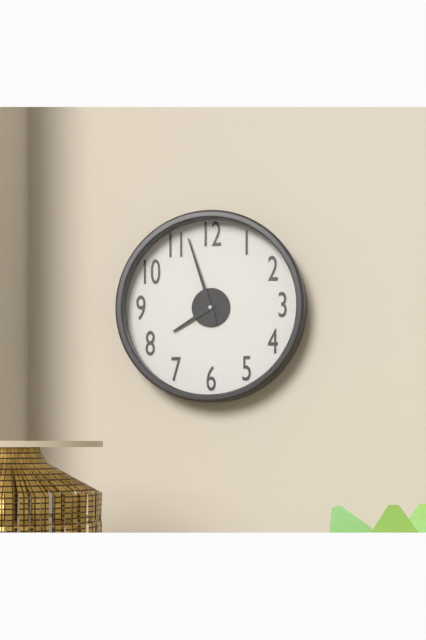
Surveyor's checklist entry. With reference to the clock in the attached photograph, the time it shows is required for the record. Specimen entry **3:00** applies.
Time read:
**7:57**
